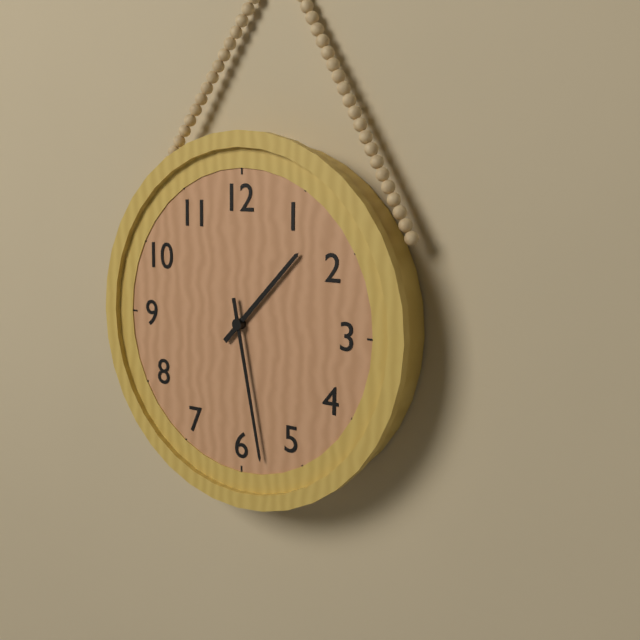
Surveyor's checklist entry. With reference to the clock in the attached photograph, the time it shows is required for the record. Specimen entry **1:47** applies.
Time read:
**1:28**
